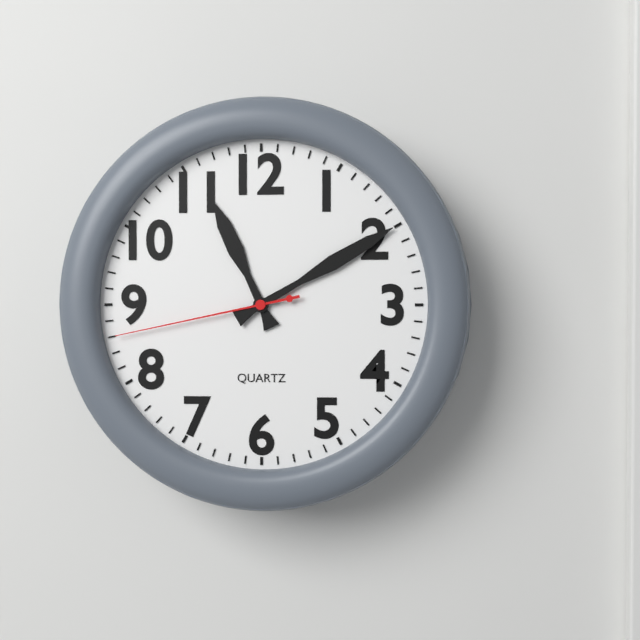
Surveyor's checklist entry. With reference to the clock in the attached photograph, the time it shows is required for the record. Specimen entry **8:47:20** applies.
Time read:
**11:10:43**
